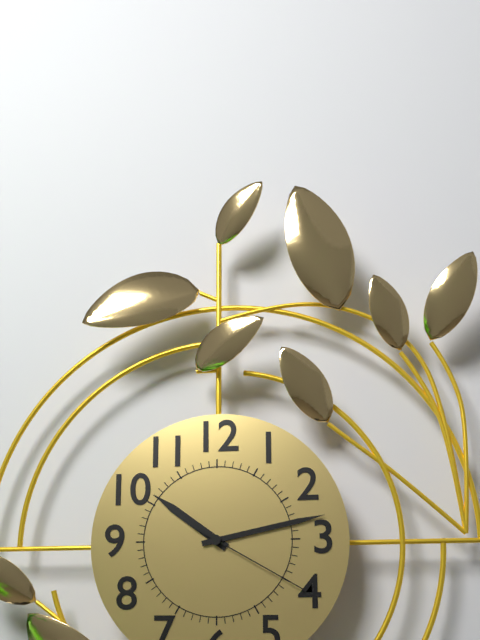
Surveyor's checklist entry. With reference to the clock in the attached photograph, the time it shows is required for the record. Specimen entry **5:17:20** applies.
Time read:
**10:13:20**
